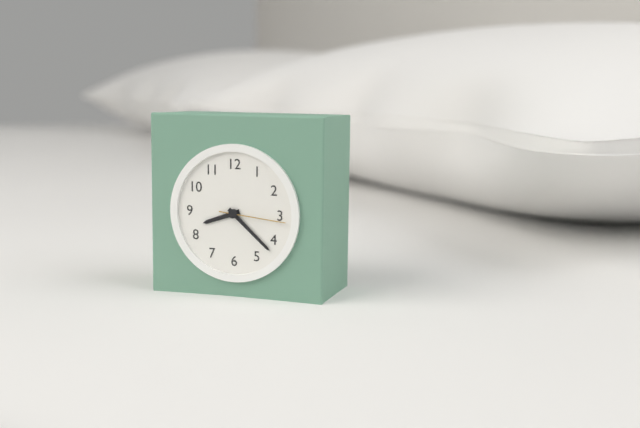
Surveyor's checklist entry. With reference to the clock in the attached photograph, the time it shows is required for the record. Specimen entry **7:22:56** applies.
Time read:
**8:22:16**
